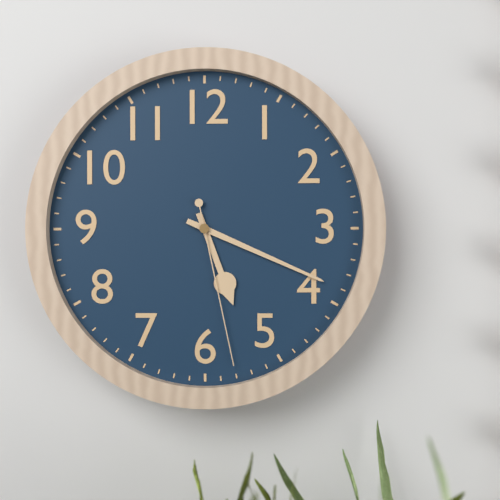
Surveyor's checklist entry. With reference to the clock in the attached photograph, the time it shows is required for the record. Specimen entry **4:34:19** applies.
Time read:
**5:19:28**
